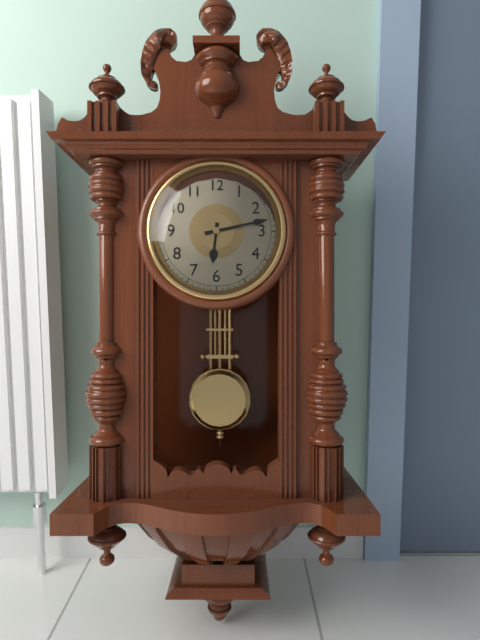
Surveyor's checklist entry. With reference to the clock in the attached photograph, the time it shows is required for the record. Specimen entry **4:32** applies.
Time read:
**6:13**
